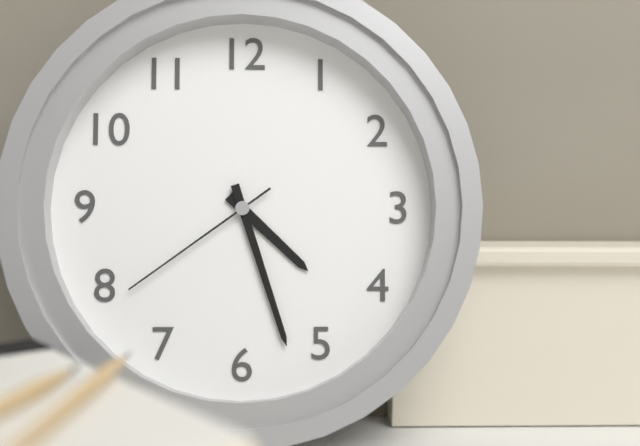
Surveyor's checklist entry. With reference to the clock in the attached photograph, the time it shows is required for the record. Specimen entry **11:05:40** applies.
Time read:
**4:27:39**
